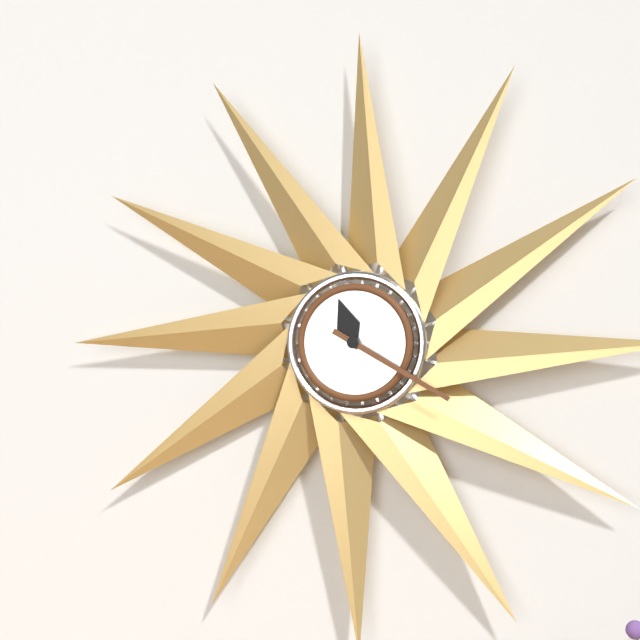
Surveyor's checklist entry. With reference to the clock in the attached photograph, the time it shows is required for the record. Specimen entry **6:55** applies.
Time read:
**11:20**
